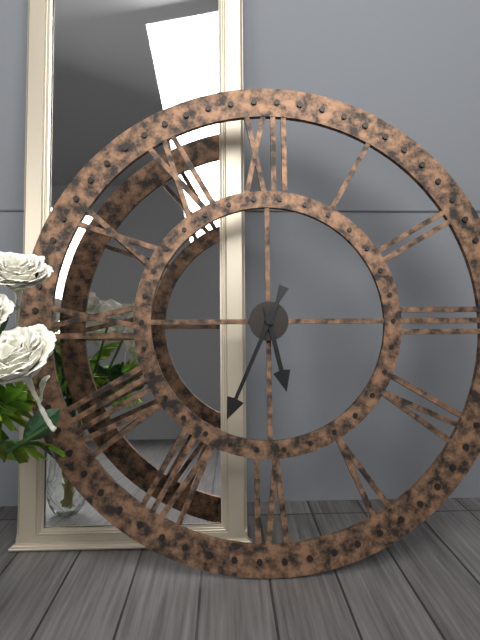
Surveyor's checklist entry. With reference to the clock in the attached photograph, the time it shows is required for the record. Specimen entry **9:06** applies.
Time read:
**5:34**
